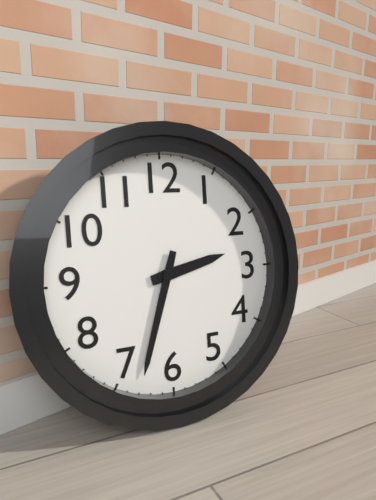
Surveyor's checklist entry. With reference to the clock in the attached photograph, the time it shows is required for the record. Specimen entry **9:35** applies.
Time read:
**2:33**
